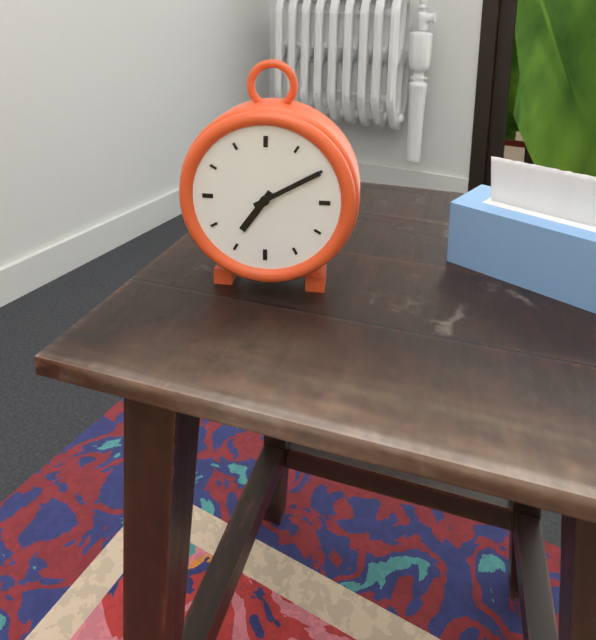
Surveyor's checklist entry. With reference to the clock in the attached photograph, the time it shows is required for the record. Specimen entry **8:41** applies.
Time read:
**7:10**
